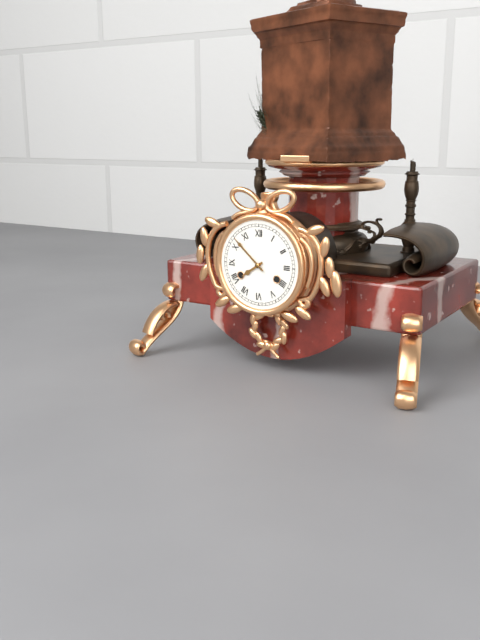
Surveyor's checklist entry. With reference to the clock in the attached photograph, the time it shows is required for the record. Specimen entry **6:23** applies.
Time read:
**7:52**
